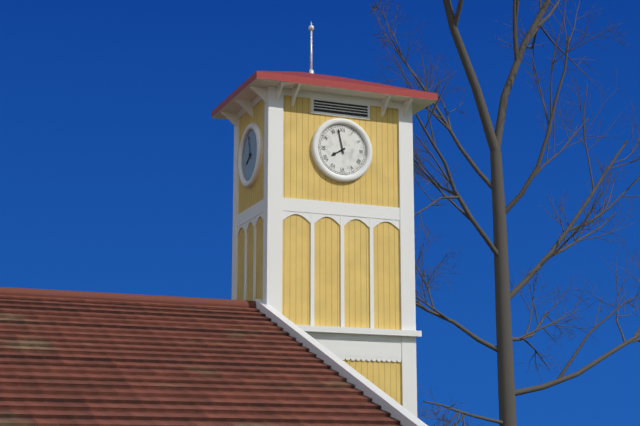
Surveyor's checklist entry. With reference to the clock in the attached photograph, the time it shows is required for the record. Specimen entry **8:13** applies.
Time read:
**7:58**
